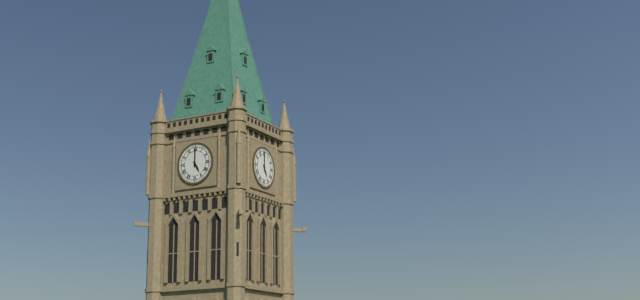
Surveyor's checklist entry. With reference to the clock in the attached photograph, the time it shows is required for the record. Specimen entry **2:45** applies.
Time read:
**5:00**
